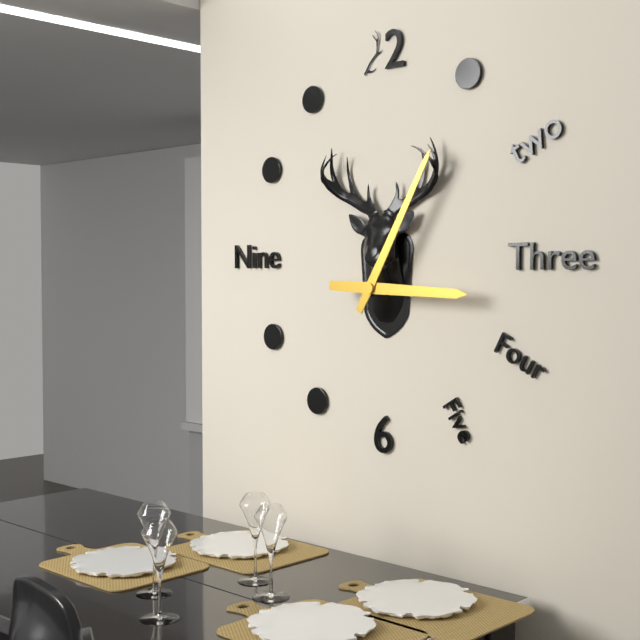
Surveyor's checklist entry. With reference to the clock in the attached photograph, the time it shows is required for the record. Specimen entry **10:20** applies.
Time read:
**3:05**
